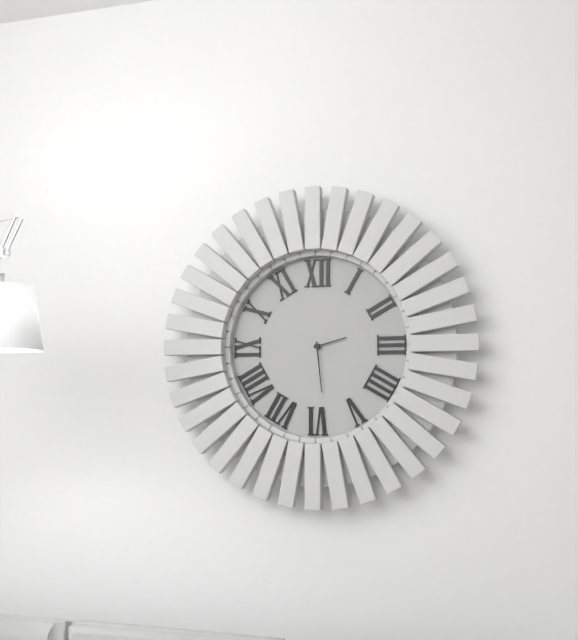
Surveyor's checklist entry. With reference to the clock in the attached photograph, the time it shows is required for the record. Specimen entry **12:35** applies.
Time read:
**2:29**
